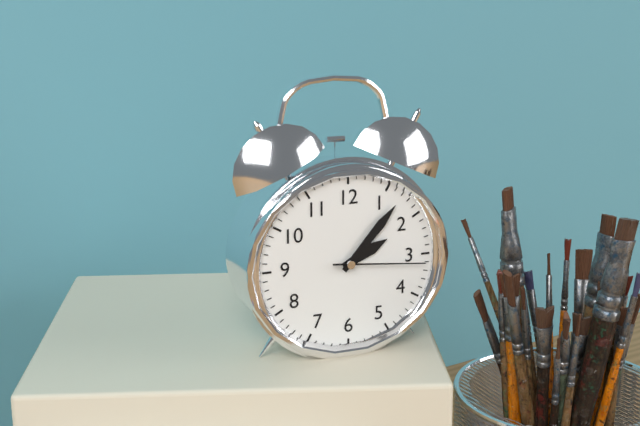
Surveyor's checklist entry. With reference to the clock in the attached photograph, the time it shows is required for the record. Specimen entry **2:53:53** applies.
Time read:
**2:07:16**
